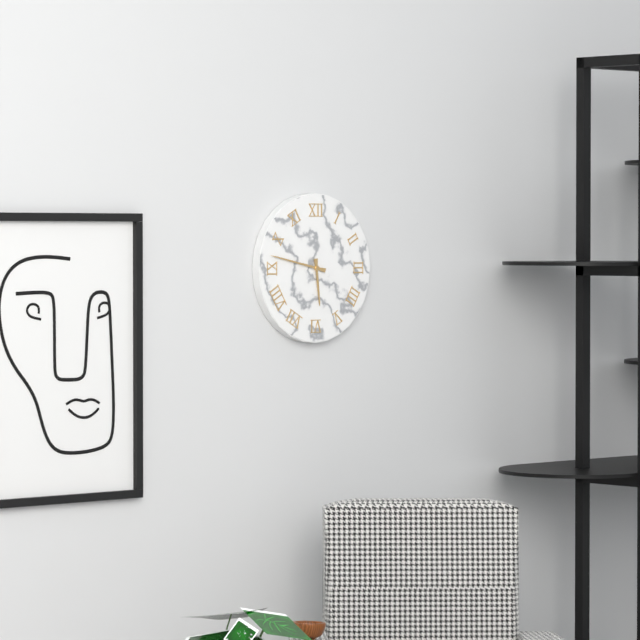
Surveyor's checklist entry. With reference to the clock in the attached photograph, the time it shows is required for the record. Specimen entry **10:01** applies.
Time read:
**5:47**
